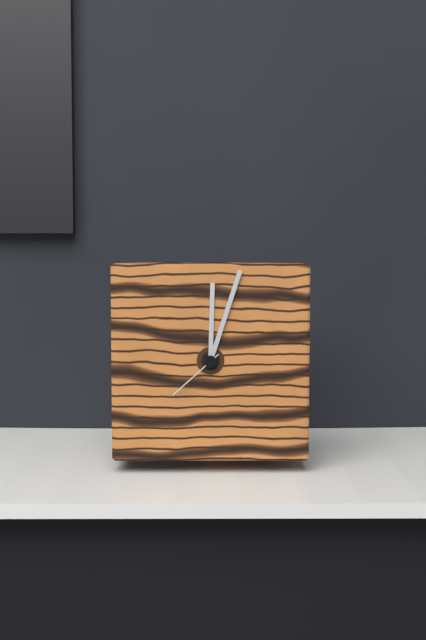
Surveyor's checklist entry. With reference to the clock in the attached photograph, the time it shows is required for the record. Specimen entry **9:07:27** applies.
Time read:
**12:03:38**
